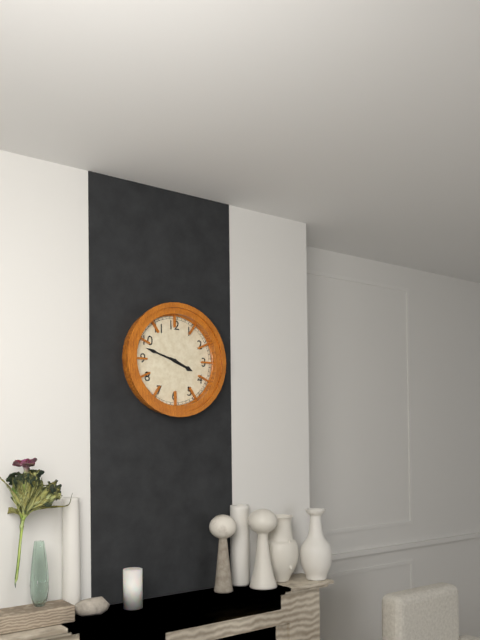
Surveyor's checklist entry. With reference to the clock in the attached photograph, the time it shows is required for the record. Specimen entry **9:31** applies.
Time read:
**3:48**
